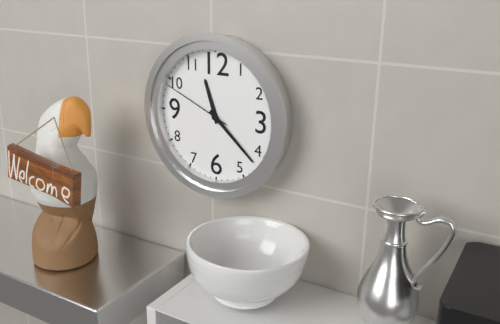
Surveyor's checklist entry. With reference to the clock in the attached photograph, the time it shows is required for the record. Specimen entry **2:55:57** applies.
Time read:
**11:22:49**
